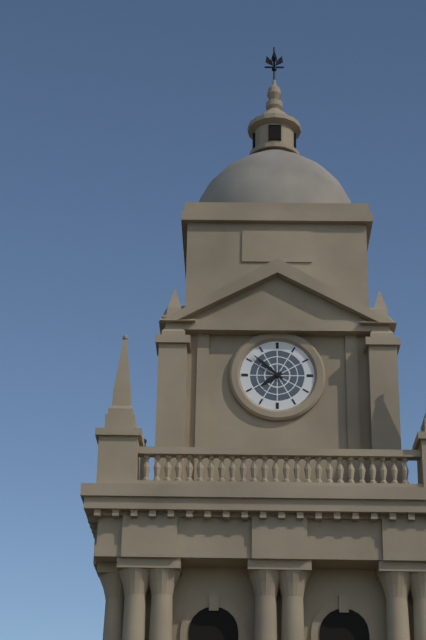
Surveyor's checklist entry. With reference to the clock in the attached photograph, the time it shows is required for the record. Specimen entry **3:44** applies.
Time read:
**7:52**
